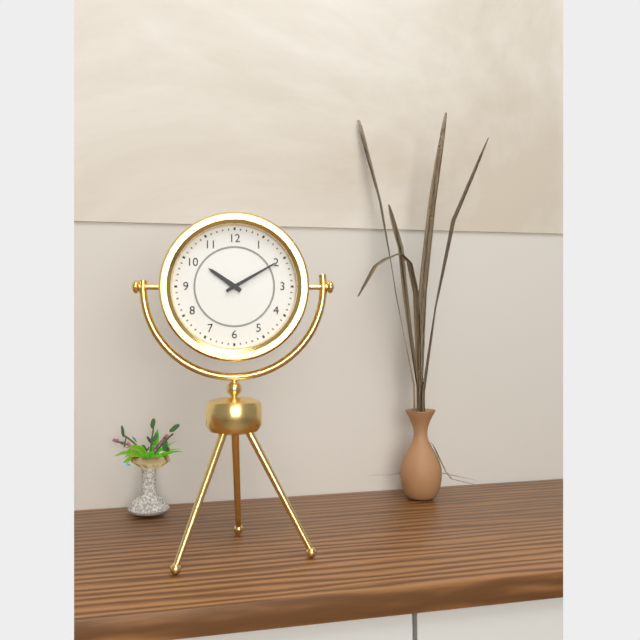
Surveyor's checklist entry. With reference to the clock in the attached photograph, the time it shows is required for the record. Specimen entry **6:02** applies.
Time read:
**10:10**
